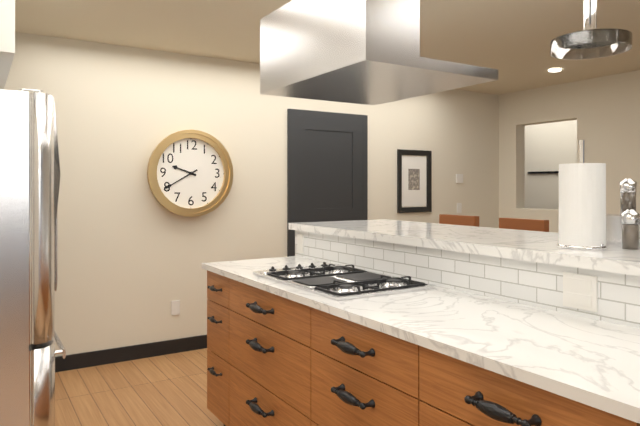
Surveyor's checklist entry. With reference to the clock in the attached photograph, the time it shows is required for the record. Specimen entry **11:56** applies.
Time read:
**9:40**
